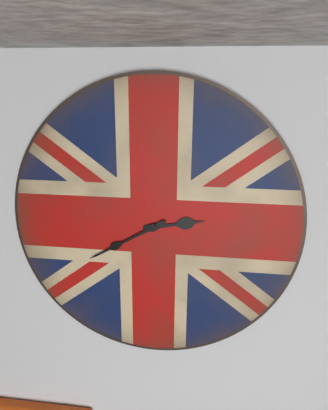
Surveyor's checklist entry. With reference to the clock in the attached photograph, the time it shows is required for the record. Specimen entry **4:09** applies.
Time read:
**2:40**
